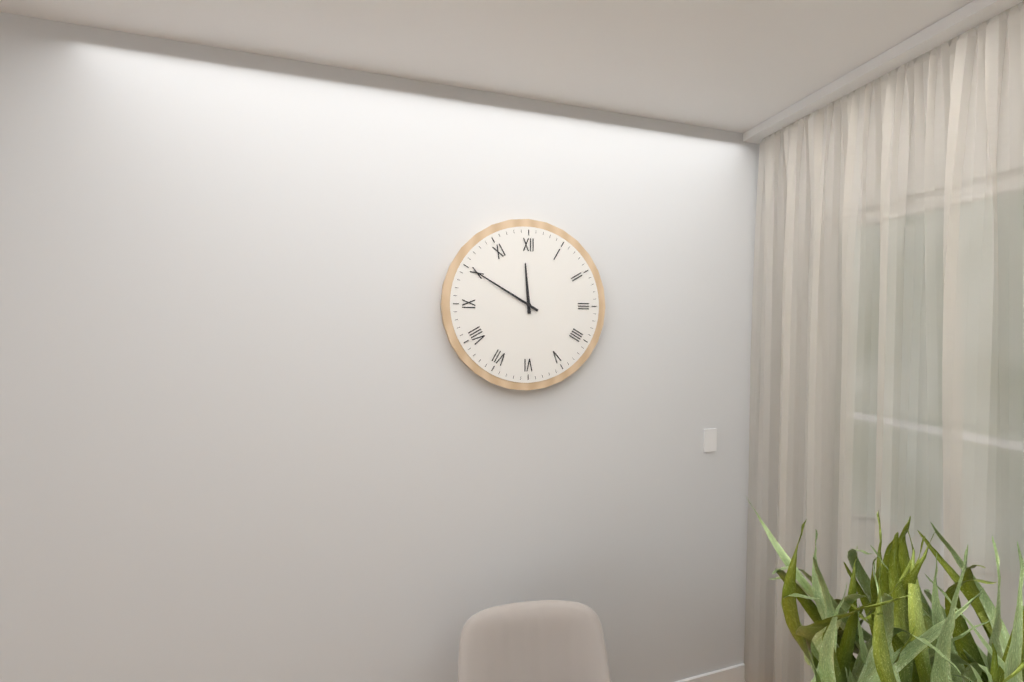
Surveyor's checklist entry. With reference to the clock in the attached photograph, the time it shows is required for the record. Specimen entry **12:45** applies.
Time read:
**11:50**
